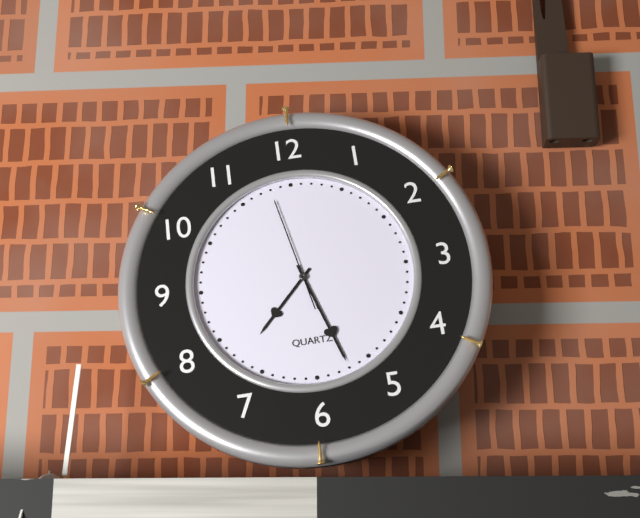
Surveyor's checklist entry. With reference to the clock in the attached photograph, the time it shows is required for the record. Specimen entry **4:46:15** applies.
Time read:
**7:27:58**
